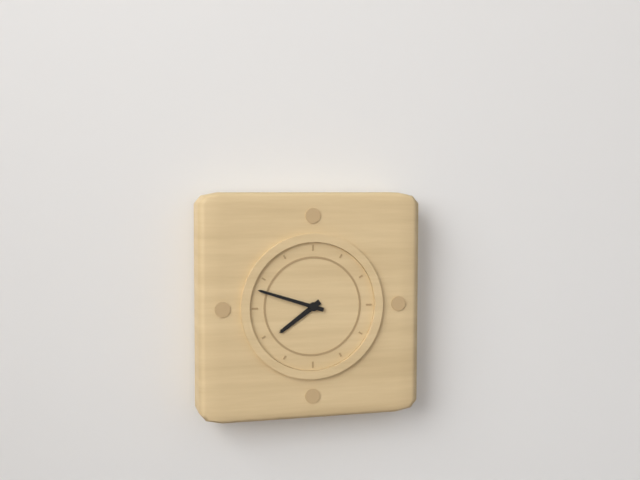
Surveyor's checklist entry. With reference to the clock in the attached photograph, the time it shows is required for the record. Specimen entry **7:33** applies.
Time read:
**7:48**
